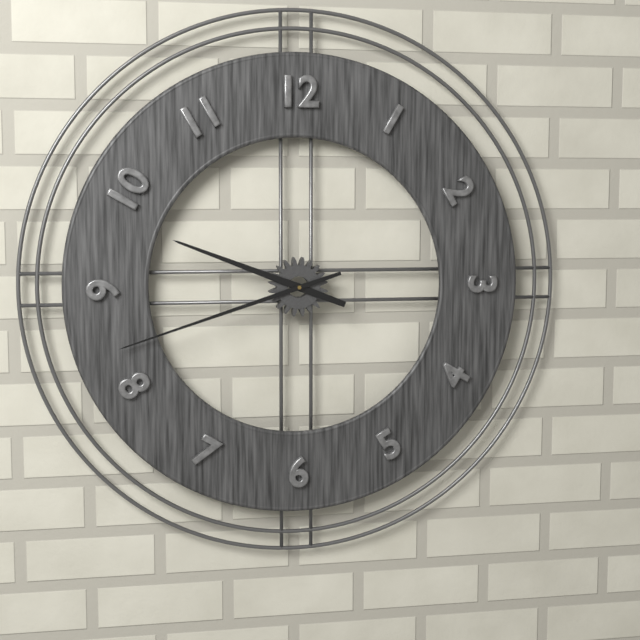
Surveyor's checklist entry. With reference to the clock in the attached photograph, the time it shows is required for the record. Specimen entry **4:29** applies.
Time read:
**9:42**
